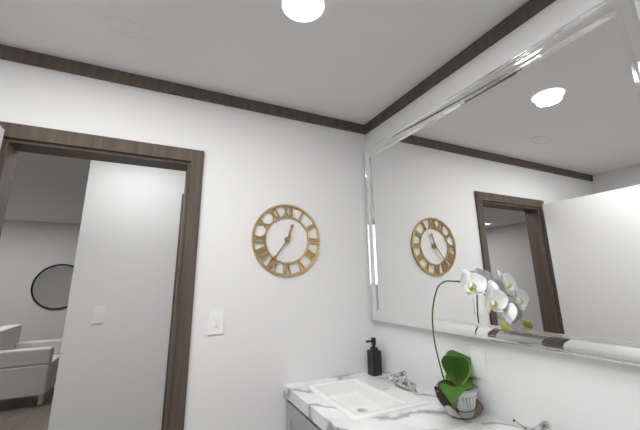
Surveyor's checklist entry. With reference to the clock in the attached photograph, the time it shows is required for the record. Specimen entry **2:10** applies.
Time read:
**12:36**
